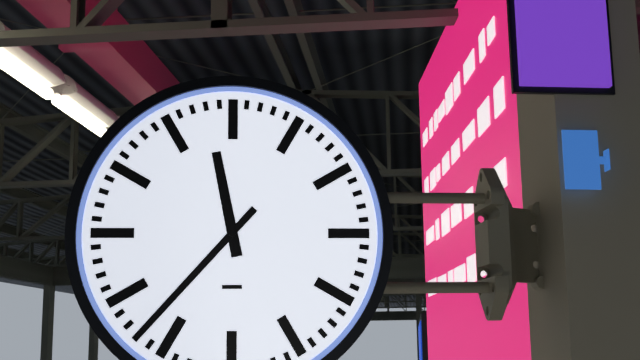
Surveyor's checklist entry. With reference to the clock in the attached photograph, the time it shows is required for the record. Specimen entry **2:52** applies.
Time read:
**11:37**
